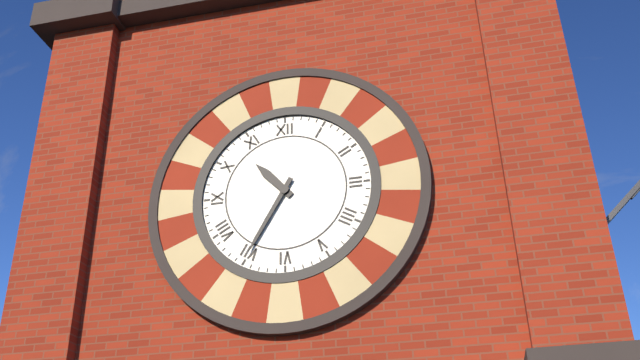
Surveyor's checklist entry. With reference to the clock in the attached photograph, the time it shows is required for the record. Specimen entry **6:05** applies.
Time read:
**10:35**
